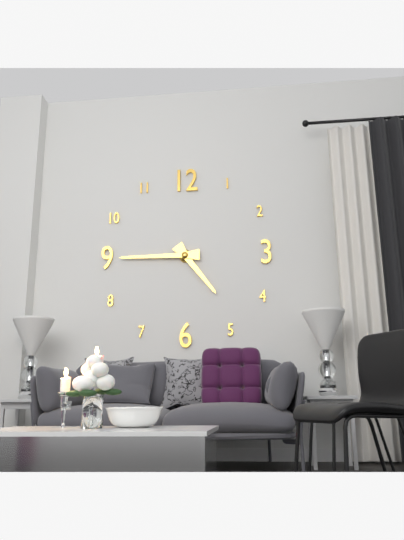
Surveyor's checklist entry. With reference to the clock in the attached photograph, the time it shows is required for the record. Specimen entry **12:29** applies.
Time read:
**4:45**
